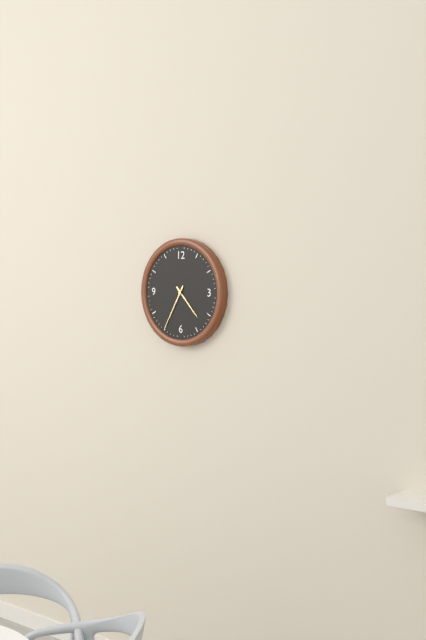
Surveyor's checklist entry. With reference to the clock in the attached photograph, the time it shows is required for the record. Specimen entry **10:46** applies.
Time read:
**4:35**
